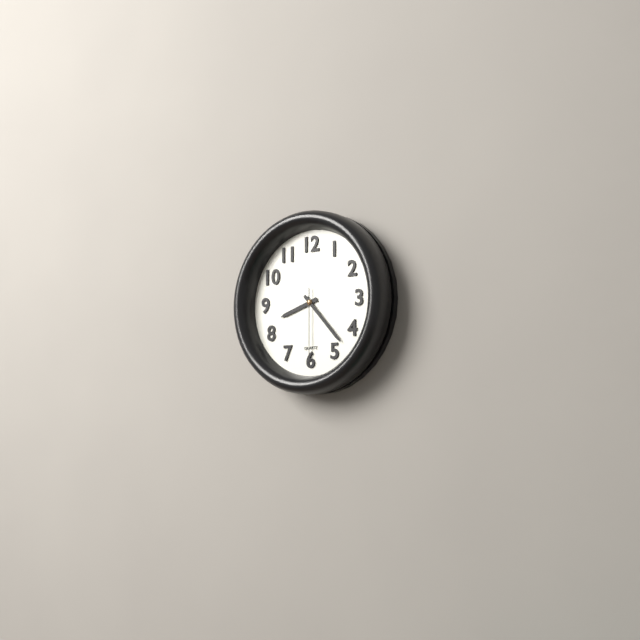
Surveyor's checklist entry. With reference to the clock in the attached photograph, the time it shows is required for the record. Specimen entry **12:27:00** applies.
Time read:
**8:23:30**
